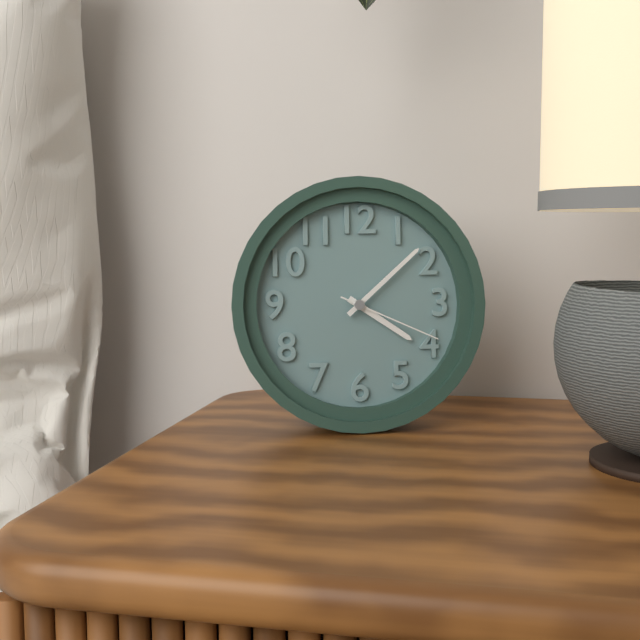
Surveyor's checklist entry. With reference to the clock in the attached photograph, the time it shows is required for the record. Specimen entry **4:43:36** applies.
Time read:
**4:08:19**
